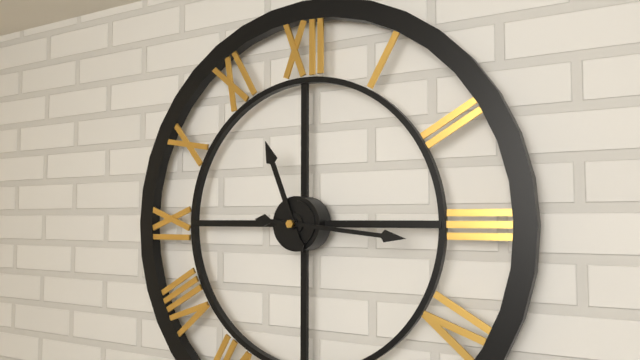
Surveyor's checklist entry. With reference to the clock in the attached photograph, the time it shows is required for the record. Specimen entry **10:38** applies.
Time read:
**11:16**
